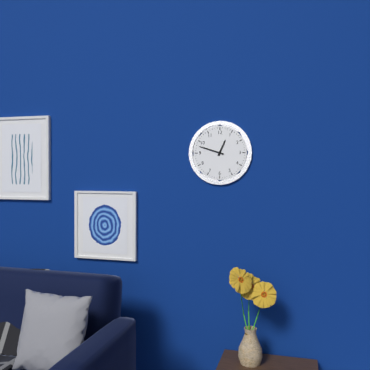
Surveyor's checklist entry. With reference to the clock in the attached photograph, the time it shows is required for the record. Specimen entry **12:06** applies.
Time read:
**12:48**
